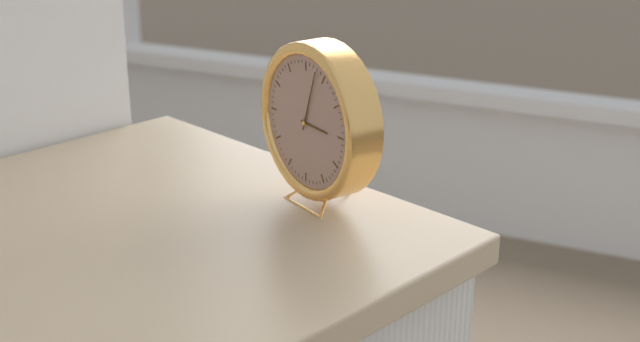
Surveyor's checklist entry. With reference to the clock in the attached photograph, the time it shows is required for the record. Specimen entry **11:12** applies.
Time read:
**3:03**
